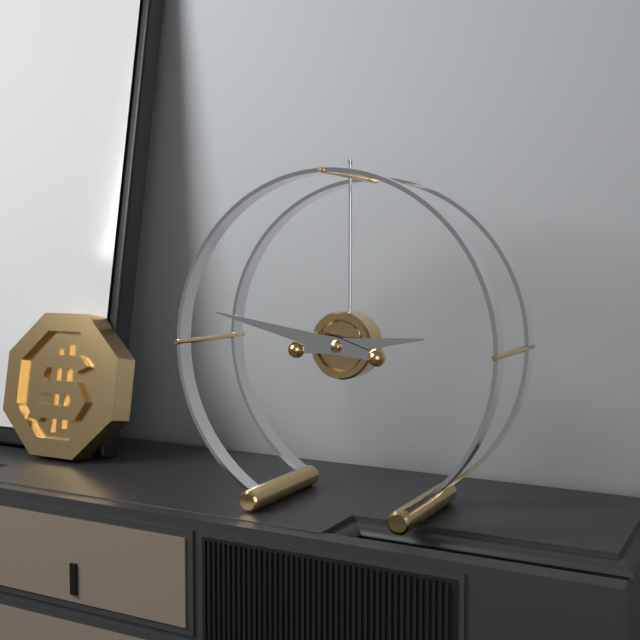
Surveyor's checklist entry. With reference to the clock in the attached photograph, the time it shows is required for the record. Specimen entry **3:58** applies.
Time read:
**2:47**
